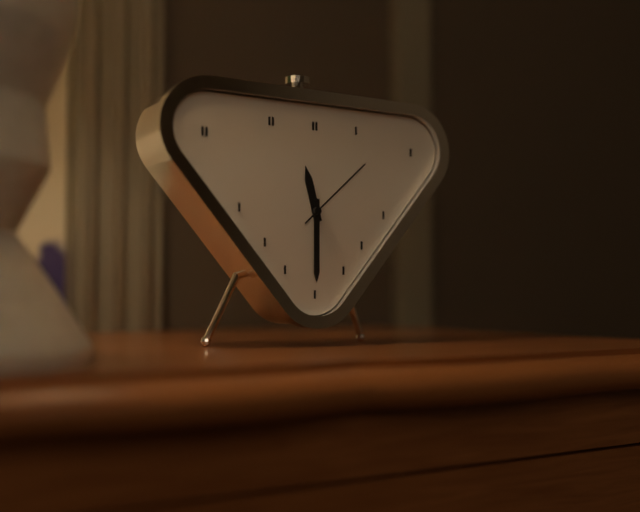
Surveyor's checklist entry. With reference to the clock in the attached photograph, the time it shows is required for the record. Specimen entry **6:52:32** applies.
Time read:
**11:30:08**
